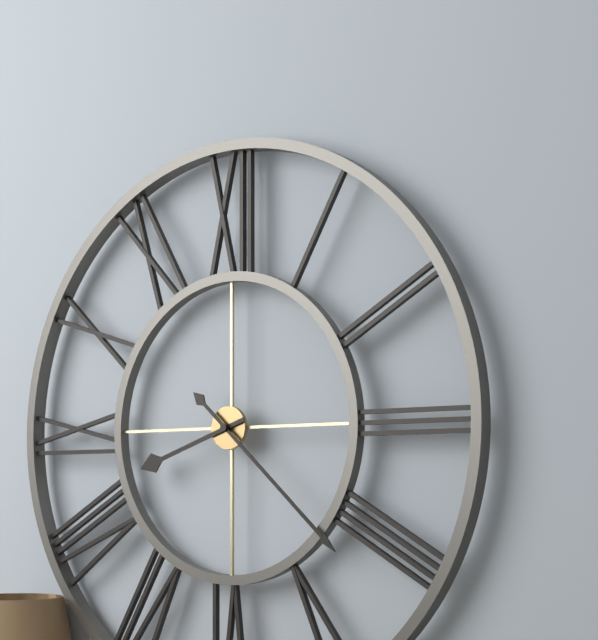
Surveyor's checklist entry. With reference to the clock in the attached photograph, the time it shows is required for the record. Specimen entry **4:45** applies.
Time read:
**8:22**
